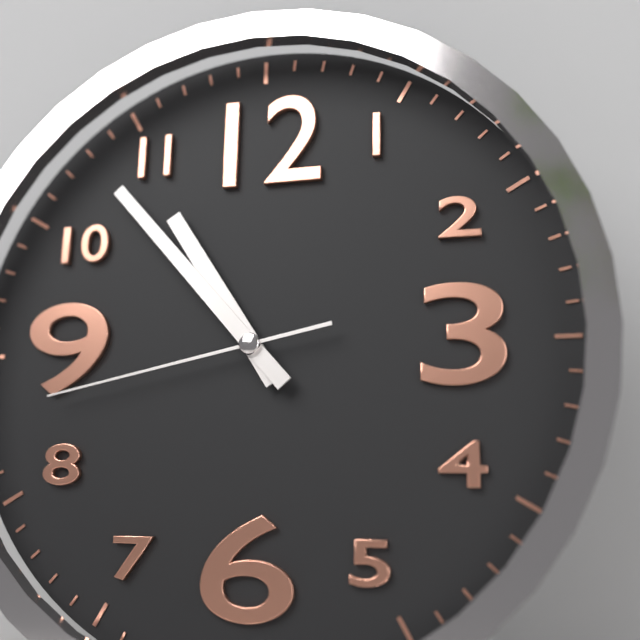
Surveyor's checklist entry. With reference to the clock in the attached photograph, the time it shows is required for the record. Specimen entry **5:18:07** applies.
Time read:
**10:53:43**
